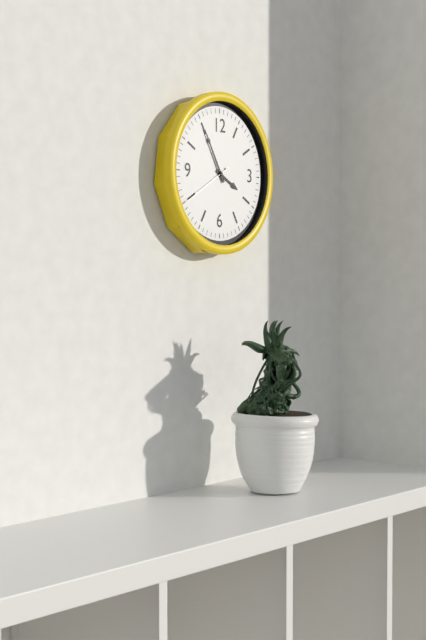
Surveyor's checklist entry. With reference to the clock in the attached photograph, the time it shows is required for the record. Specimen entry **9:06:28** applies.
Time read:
**3:55:40**
